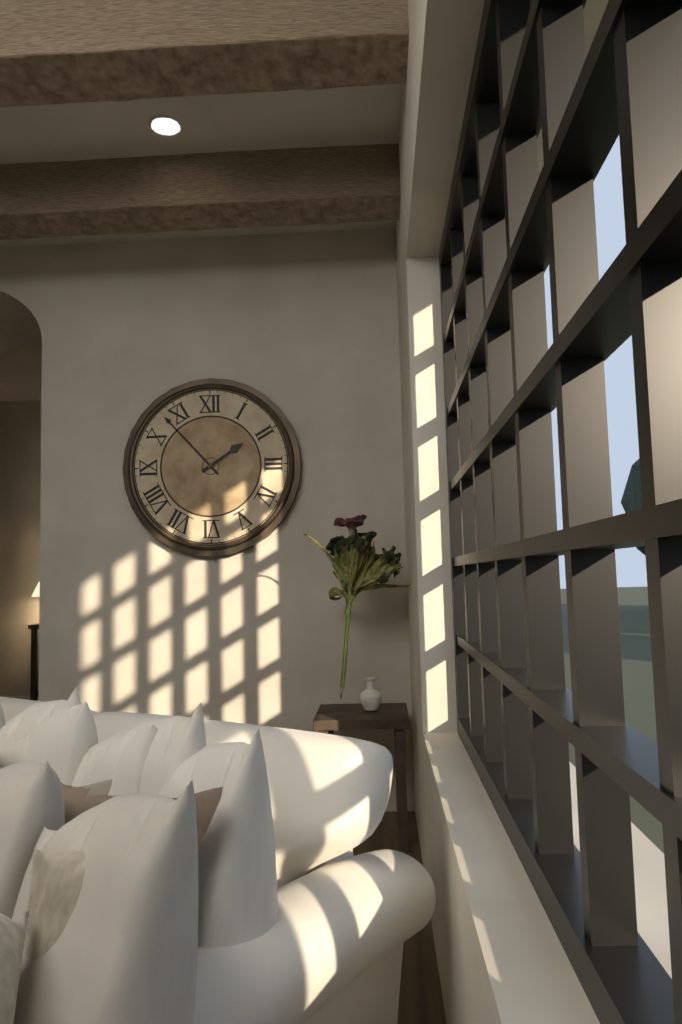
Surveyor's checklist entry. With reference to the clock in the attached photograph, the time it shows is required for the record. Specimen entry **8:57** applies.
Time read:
**1:53**
